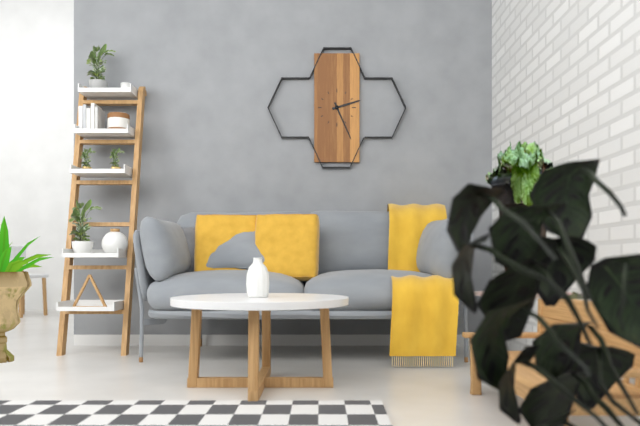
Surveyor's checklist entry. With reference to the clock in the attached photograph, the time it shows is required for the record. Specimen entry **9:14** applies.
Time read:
**2:26**
